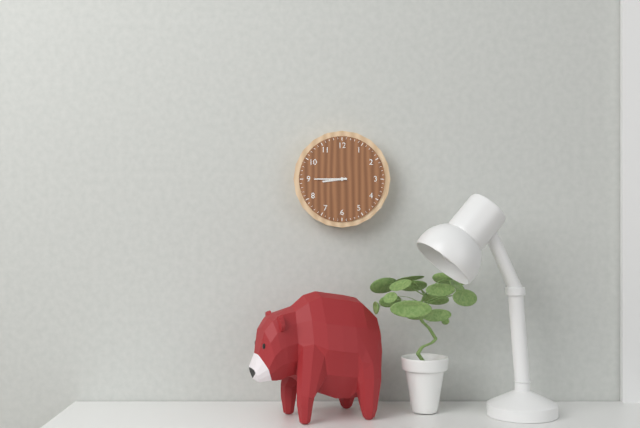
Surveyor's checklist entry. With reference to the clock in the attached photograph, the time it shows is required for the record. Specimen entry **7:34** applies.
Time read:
**8:45**
